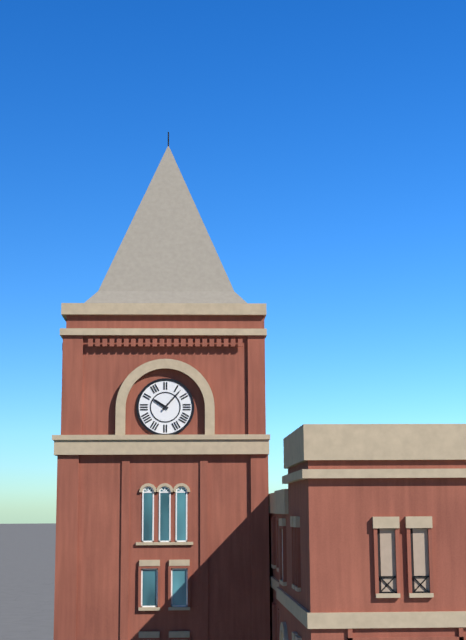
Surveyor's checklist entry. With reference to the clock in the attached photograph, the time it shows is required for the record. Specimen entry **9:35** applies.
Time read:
**10:07**
